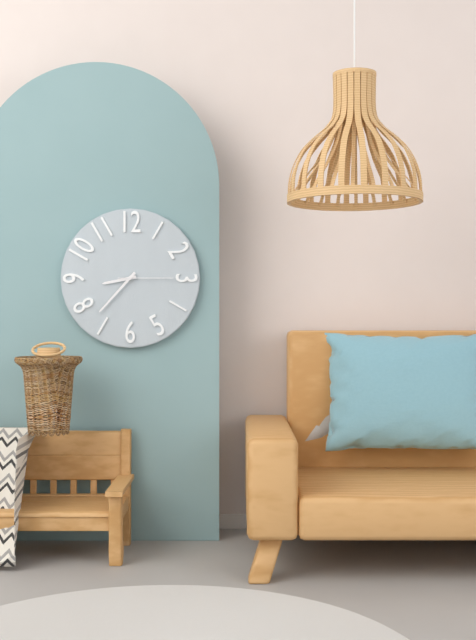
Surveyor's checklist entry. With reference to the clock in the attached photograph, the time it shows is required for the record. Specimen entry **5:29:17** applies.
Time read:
**8:37:15**
